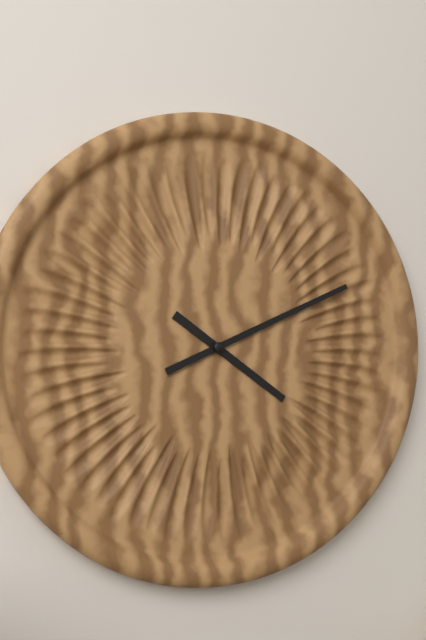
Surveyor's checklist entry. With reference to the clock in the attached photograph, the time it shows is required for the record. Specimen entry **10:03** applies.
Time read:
**4:11**
